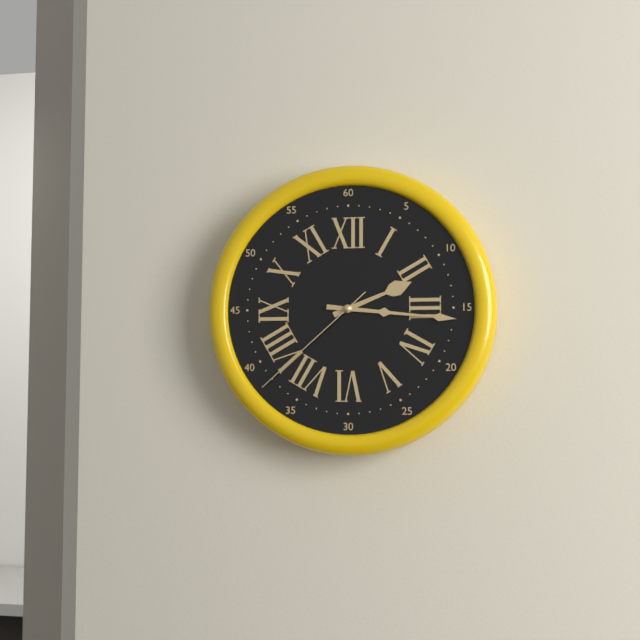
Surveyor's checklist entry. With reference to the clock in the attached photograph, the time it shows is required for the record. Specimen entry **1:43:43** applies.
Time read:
**2:16:38**
